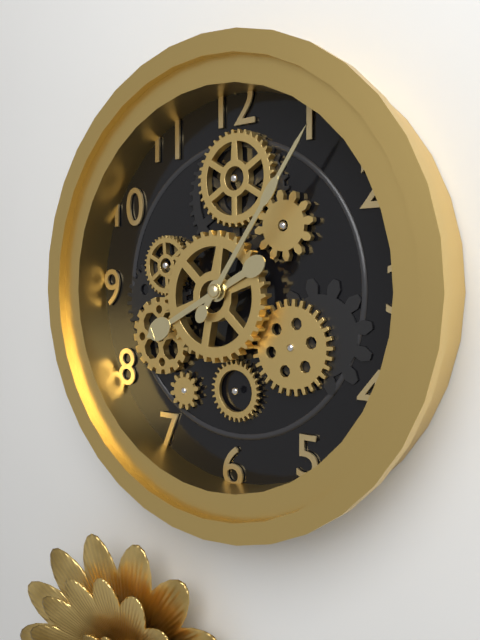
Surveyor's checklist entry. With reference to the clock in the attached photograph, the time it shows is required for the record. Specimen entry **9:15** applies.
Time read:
**8:06**
